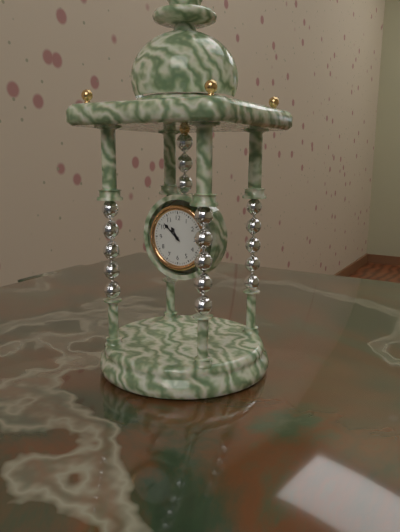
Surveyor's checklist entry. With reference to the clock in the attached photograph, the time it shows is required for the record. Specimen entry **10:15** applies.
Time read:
**10:52**
